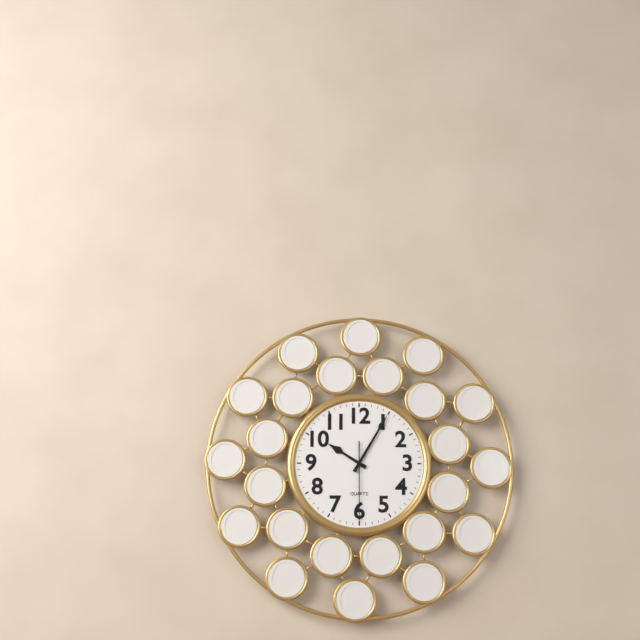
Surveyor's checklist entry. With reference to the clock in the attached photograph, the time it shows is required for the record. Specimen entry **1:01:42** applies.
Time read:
**10:05:30**
